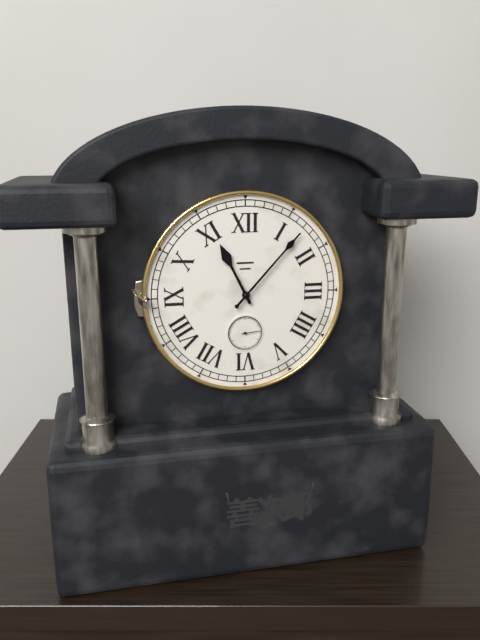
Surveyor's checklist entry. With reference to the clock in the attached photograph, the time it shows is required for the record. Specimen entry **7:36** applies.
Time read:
**11:07**
